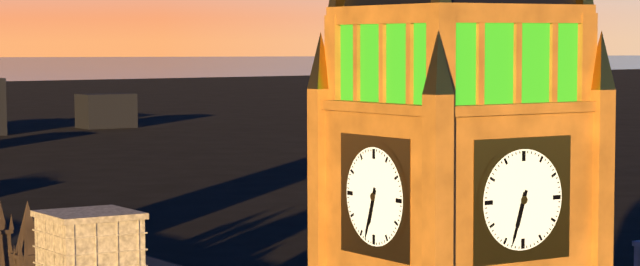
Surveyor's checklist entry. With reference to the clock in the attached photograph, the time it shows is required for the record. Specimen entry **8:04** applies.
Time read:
**6:33**
